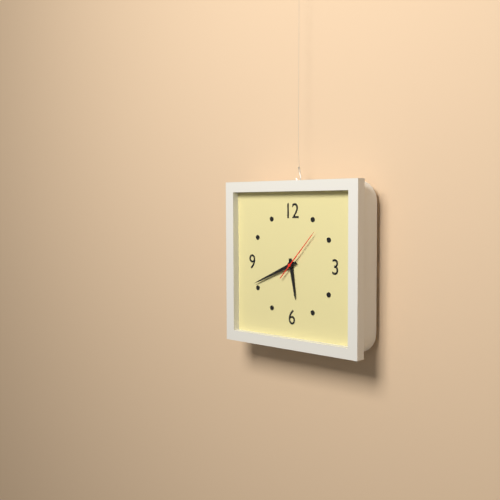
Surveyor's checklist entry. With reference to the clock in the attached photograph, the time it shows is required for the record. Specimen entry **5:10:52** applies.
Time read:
**5:41:07**
